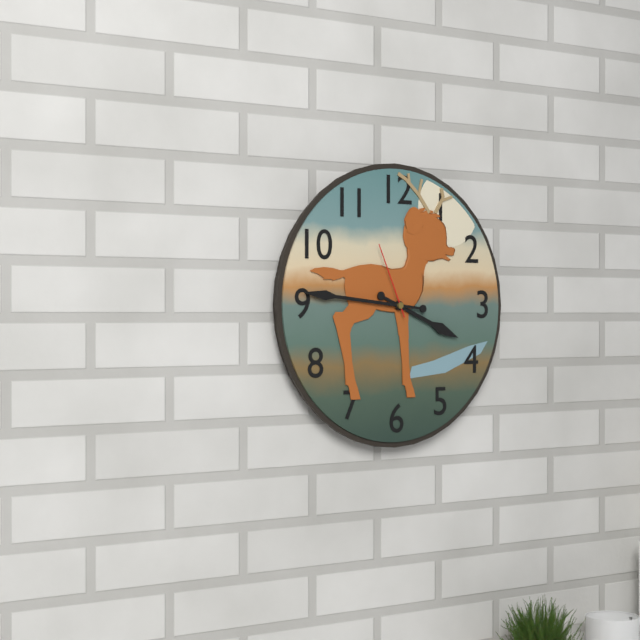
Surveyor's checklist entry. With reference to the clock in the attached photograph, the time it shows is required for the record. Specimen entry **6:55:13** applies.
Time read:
**3:46:56**
